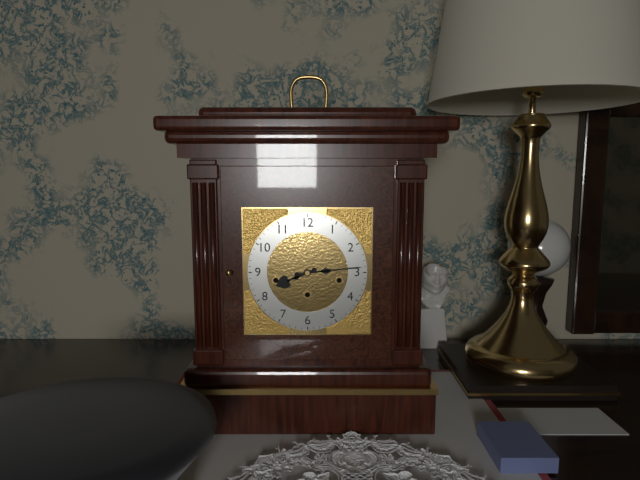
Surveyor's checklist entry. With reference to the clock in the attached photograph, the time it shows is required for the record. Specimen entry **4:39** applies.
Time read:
**8:14**
